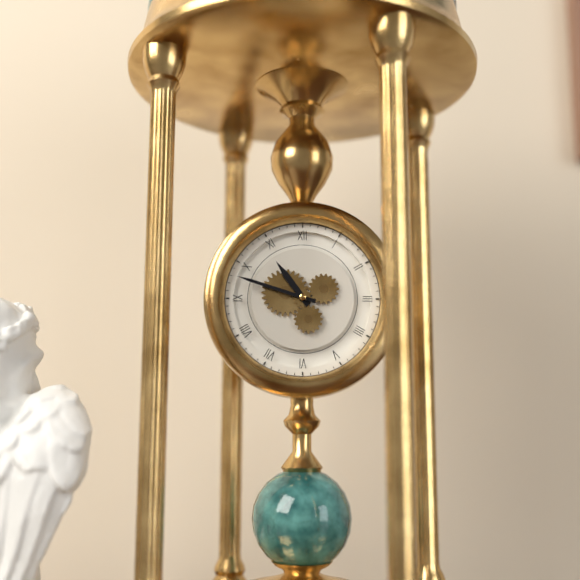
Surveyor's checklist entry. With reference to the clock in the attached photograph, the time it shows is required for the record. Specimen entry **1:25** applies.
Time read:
**10:48**
